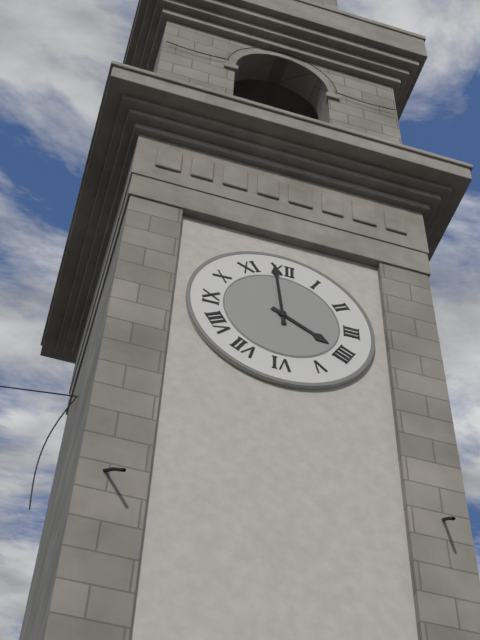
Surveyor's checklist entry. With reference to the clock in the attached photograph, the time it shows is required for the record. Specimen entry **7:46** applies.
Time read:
**3:59**
